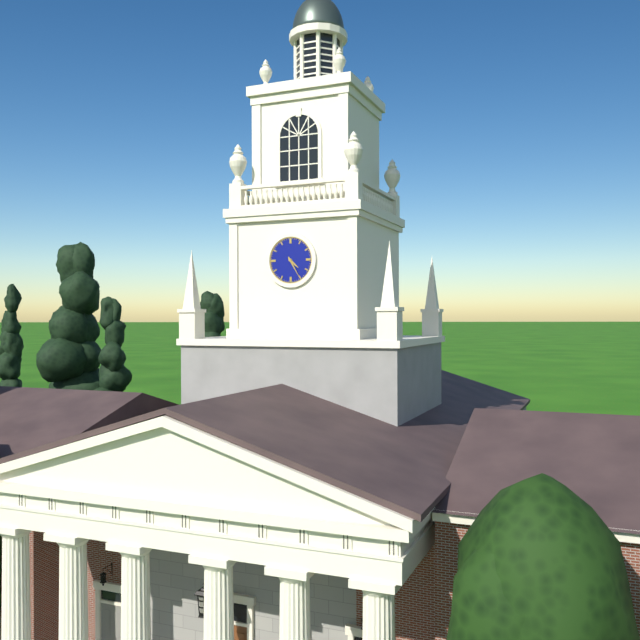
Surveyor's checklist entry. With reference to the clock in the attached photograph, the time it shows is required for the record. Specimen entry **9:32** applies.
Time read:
**4:25**
